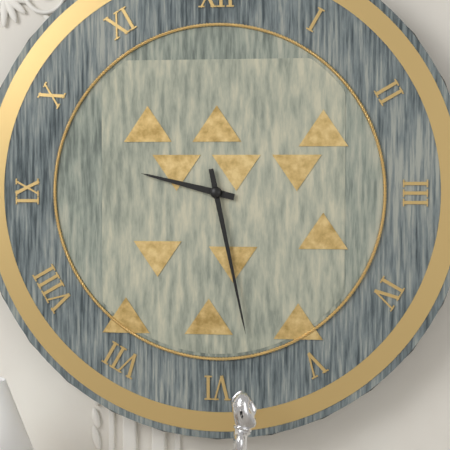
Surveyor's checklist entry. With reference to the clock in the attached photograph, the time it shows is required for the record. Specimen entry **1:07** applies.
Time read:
**9:28**
